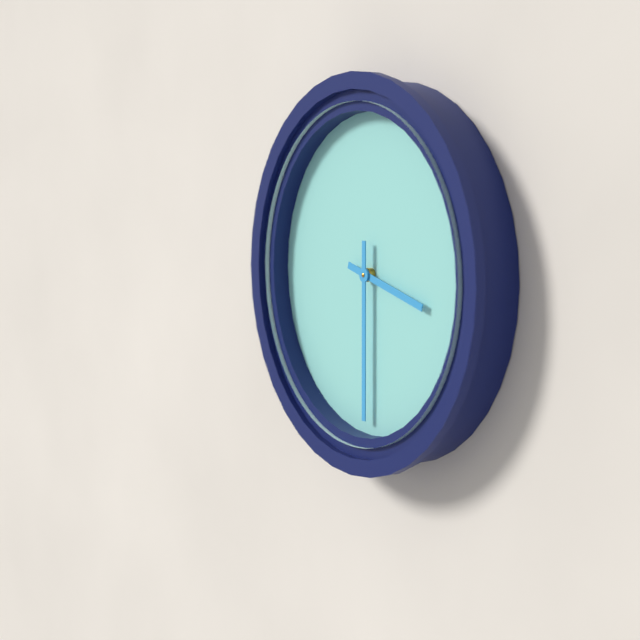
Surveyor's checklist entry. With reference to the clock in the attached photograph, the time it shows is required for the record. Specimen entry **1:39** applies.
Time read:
**3:30**
